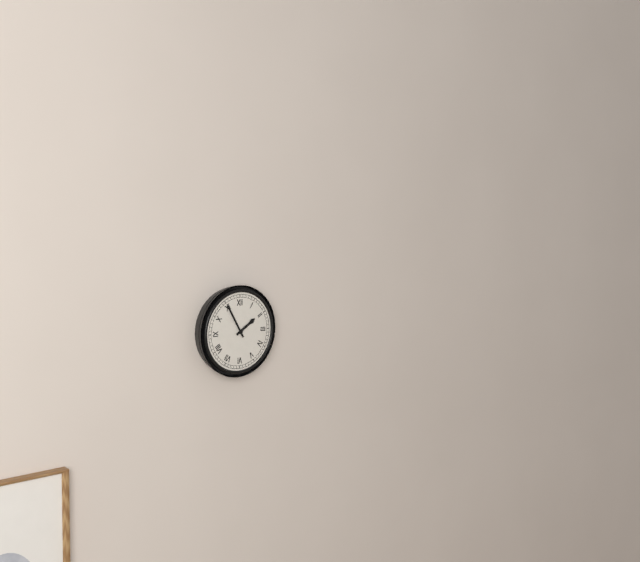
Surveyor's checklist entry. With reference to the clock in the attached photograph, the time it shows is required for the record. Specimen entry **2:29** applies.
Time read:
**1:55**
